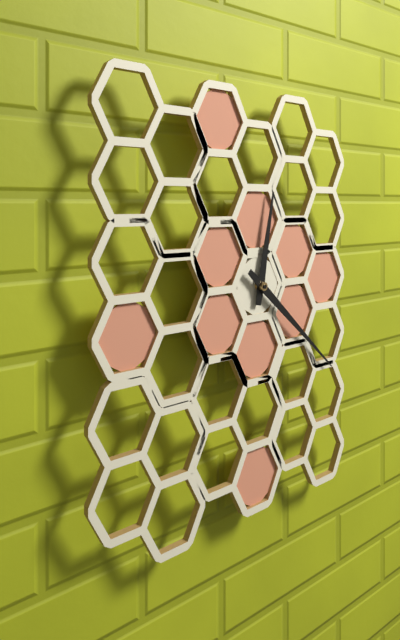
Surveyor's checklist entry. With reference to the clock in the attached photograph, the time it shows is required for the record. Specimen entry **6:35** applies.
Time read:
**12:22**
